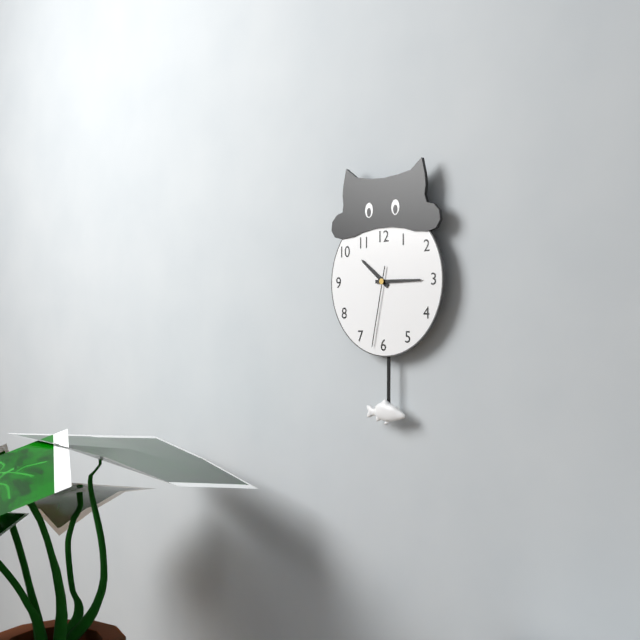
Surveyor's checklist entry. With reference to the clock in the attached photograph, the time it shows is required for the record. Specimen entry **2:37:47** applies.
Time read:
**10:15:32**
